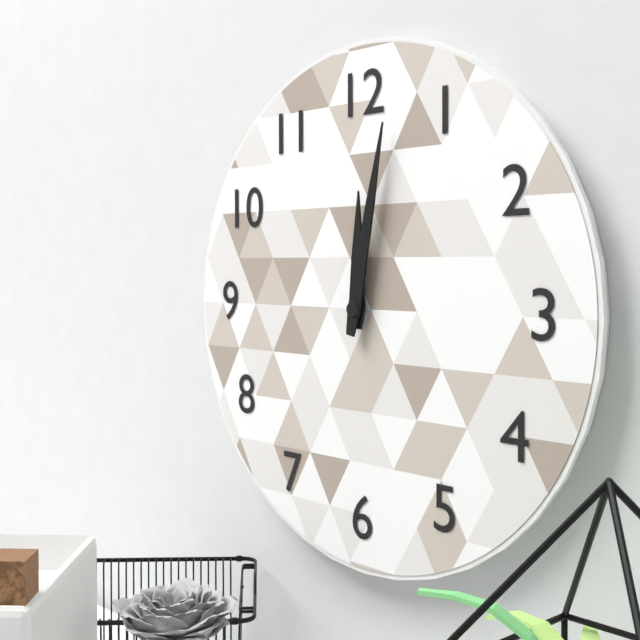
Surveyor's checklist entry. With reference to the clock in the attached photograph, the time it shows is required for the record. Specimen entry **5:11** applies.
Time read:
**12:02**
